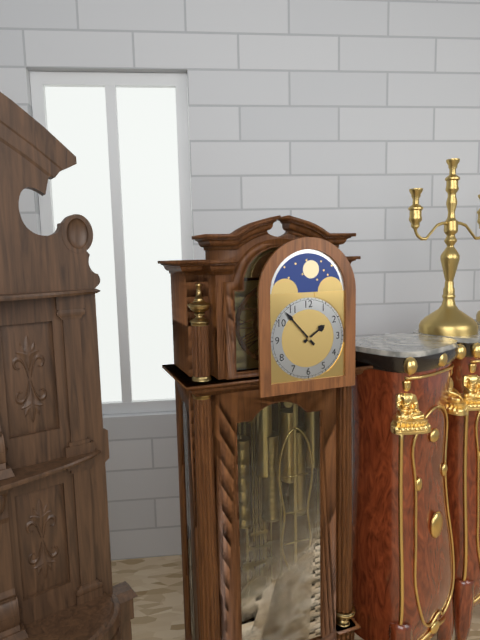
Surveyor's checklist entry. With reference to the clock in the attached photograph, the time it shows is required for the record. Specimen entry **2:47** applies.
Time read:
**1:53**
